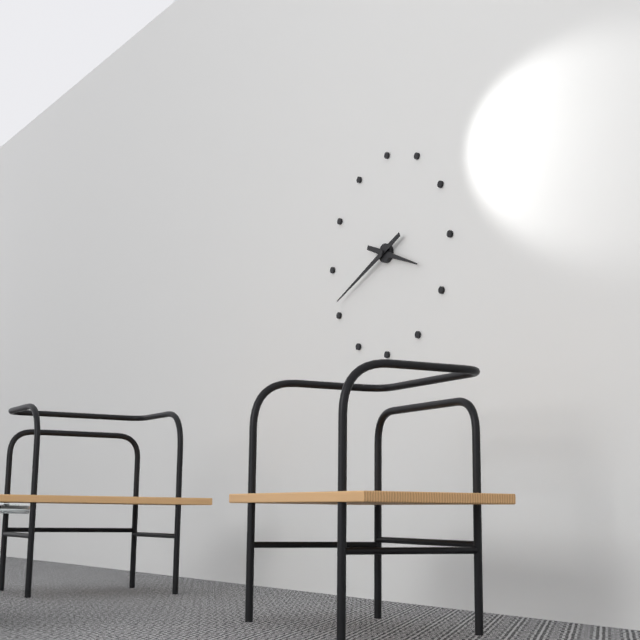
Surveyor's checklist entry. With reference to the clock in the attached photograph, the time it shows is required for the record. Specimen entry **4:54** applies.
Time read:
**3:41**
